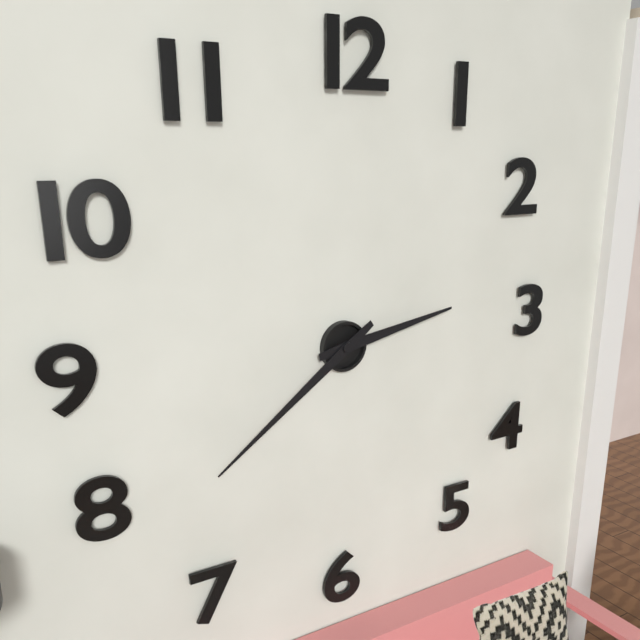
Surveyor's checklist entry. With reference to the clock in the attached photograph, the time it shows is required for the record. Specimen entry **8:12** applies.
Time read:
**2:39**
